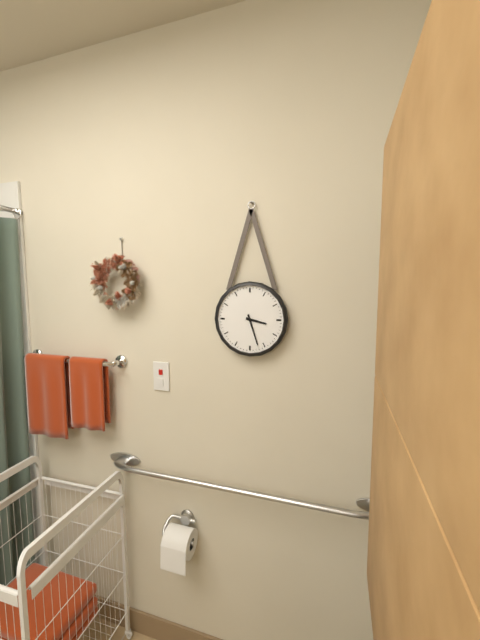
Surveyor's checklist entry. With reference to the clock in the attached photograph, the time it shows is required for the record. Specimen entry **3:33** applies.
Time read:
**3:27**
